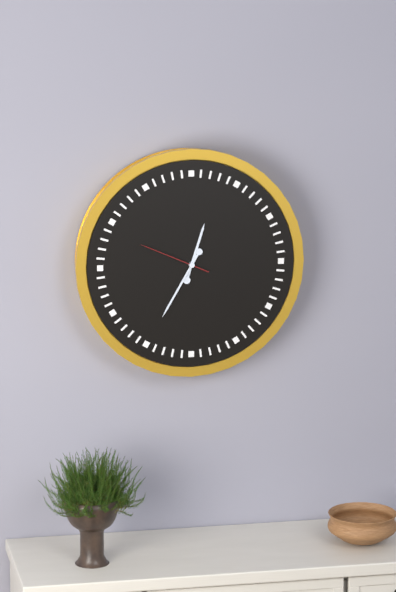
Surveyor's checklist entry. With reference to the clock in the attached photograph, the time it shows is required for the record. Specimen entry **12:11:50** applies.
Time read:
**12:35:49**
